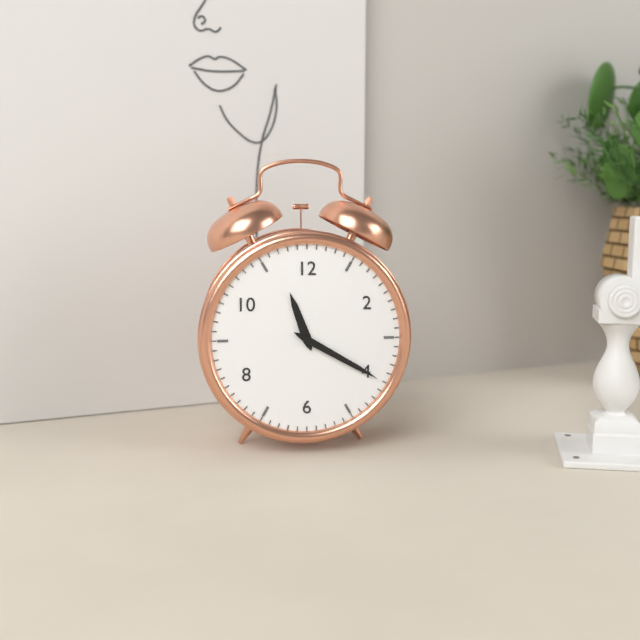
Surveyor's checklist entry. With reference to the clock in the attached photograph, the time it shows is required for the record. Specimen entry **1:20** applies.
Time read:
**11:20**
